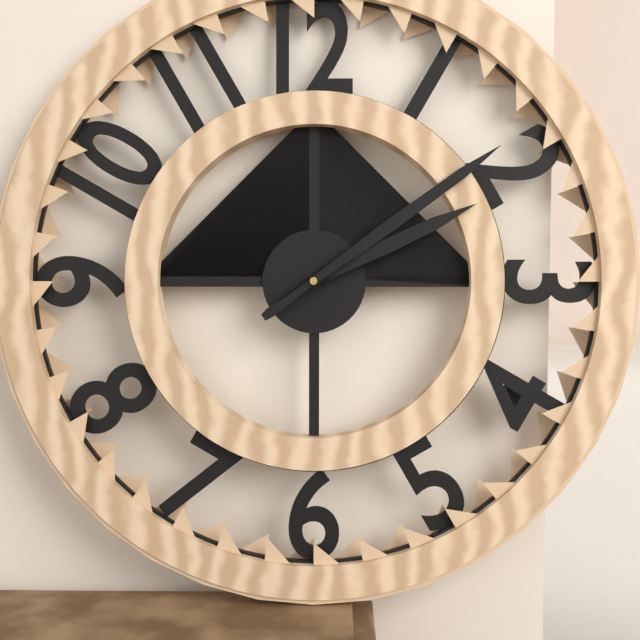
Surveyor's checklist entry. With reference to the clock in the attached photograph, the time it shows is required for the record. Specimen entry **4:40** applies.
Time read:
**2:09**
